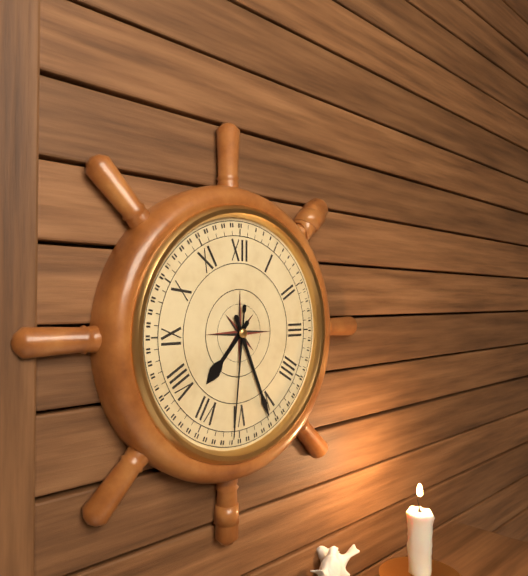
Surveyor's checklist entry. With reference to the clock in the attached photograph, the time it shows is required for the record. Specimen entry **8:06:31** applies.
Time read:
**7:26:31**
